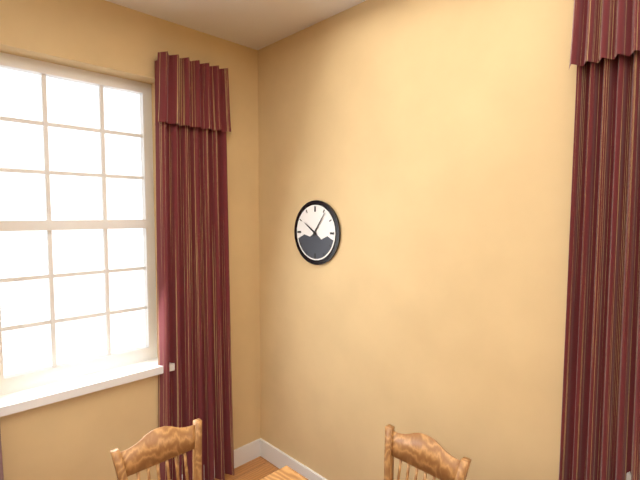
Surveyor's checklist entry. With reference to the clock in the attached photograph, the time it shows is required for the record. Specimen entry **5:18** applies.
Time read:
**10:06**
